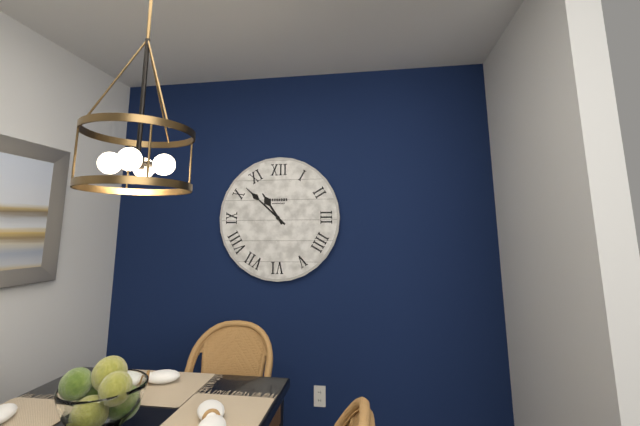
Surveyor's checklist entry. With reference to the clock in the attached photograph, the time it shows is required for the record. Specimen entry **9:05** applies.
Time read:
**10:52**
